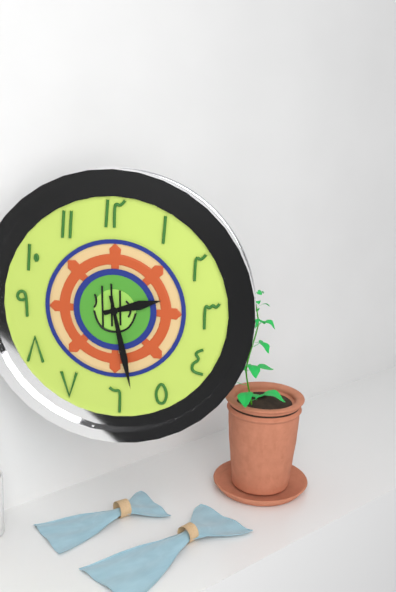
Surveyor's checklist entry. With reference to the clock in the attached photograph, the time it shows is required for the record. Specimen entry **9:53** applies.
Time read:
**2:28**
